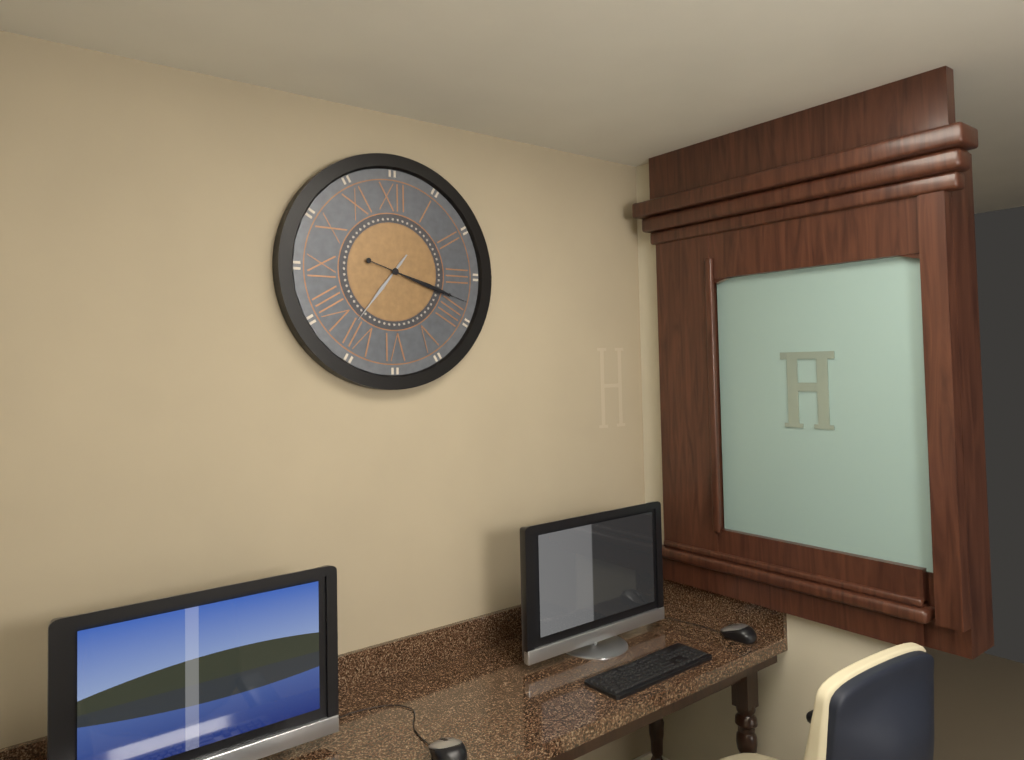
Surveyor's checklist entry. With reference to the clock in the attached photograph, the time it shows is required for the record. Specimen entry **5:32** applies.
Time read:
**7:18**
